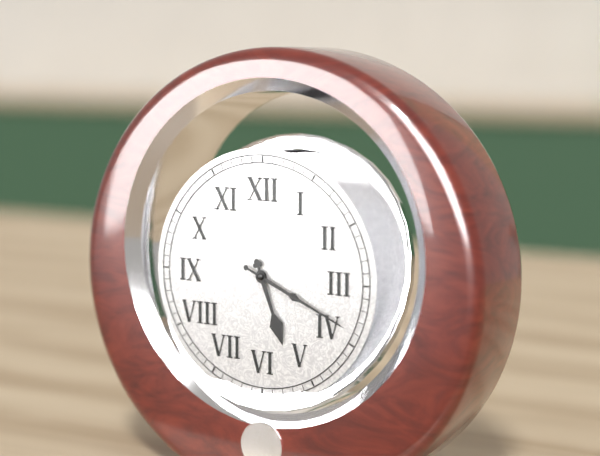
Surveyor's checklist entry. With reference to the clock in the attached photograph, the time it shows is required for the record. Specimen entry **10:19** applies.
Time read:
**5:19**
